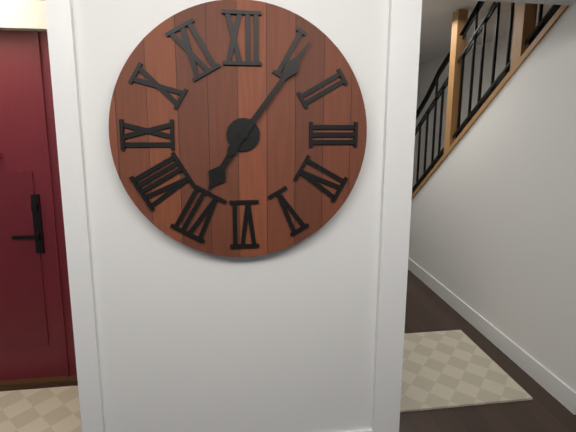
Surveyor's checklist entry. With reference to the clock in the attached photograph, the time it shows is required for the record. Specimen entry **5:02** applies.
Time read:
**7:06**
